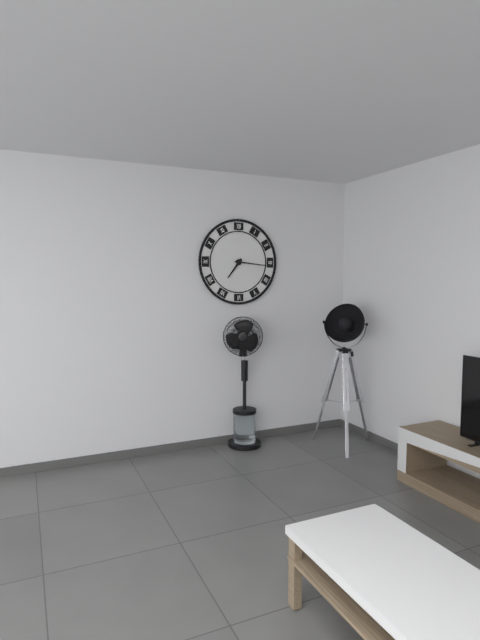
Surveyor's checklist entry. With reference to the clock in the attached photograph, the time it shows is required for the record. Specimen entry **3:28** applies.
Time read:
**7:16**
